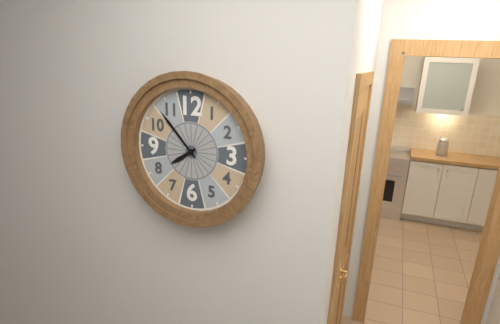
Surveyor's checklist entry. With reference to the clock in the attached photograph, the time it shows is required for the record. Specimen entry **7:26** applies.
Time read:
**7:53**
